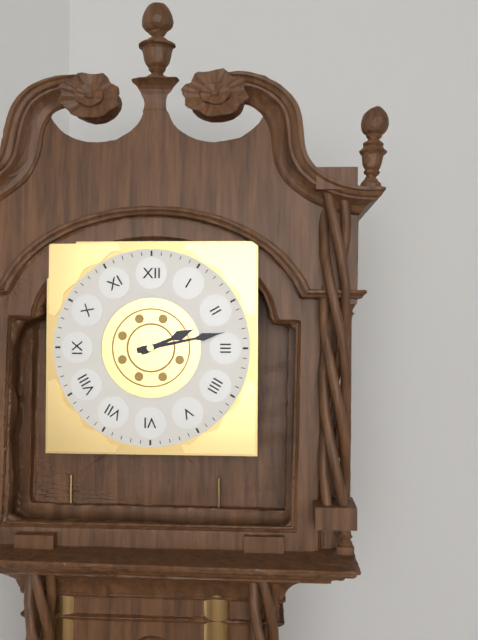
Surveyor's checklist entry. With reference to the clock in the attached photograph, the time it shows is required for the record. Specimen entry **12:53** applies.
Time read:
**2:13**
